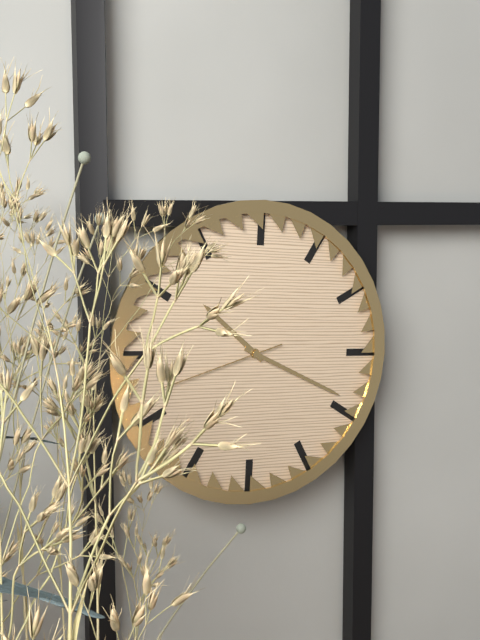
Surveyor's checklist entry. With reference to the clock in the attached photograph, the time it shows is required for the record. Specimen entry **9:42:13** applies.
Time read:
**10:19:42**
